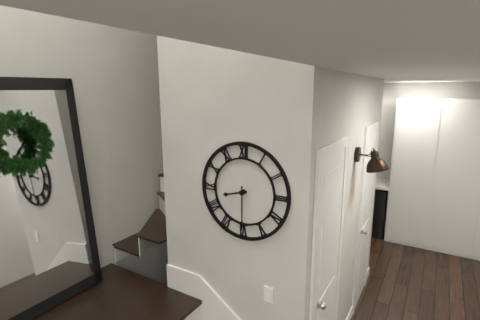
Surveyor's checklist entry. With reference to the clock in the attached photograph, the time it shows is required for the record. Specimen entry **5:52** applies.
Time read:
**8:30**
